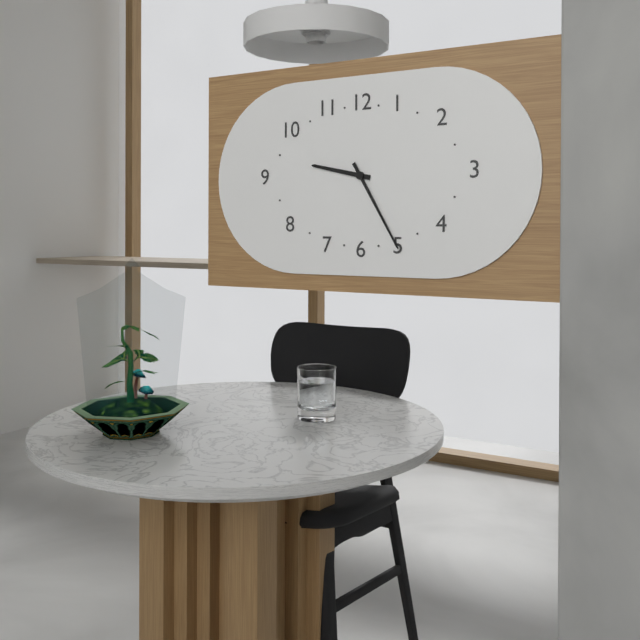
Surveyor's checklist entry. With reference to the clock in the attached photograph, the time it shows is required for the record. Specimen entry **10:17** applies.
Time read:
**9:25**
